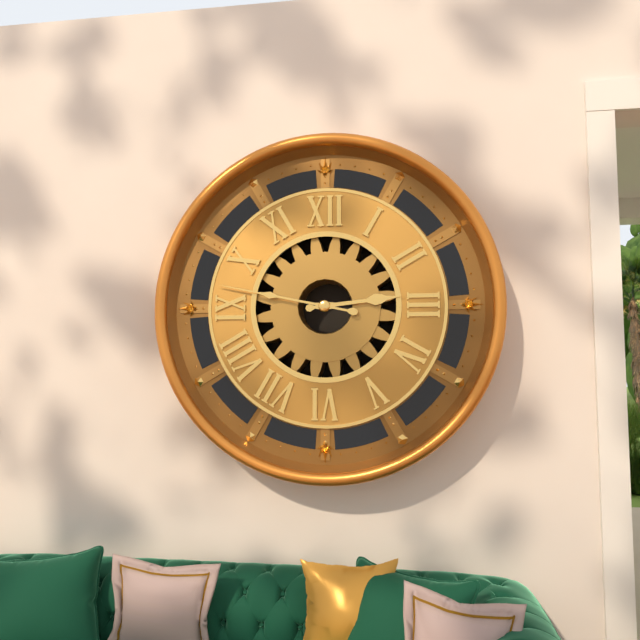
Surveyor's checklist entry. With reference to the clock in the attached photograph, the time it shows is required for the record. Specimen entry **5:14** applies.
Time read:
**2:47**
